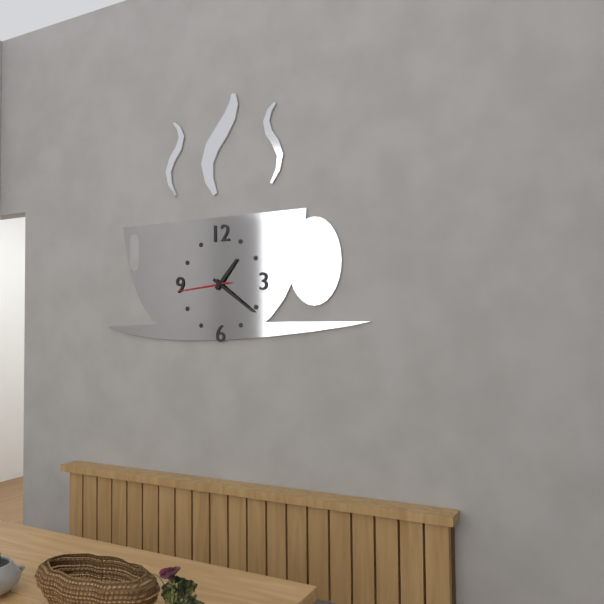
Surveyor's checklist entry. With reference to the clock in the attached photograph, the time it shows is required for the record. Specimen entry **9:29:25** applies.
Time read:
**1:21:44**
